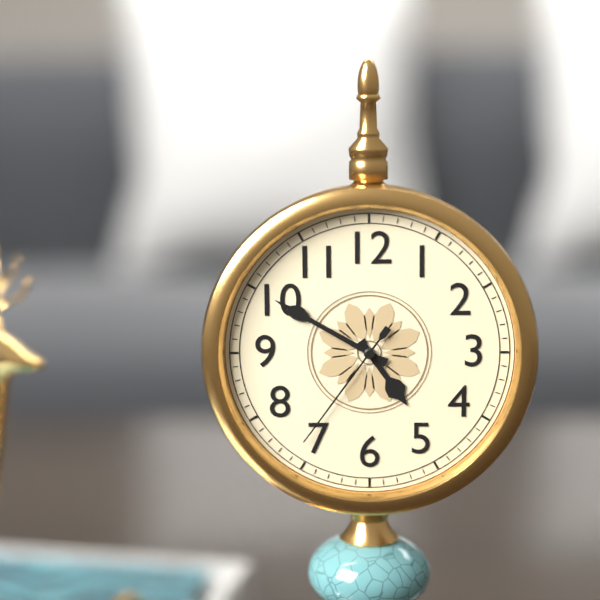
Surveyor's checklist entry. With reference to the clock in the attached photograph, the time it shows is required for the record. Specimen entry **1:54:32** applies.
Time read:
**4:50:36**
